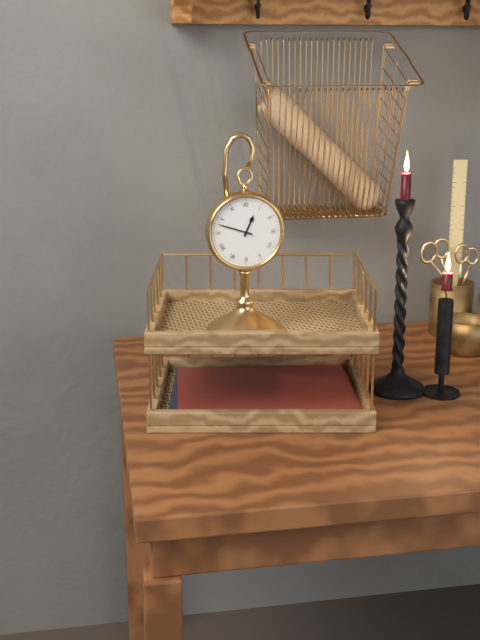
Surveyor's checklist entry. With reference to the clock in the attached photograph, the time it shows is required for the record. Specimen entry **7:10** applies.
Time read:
**12:48**
